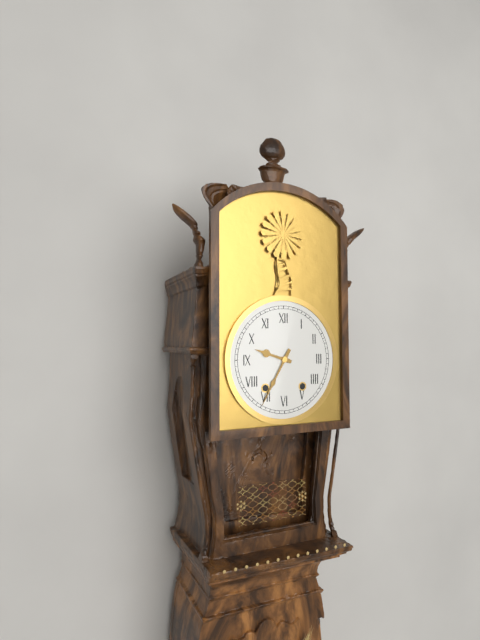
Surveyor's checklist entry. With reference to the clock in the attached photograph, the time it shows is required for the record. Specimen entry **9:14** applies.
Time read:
**9:35**
